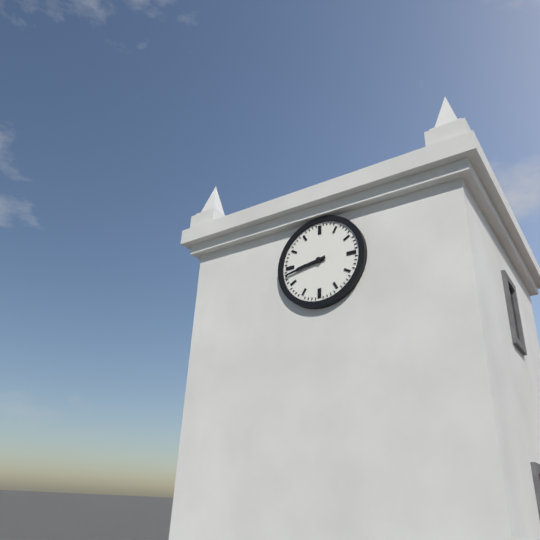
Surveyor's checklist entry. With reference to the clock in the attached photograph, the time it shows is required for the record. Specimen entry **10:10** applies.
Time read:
**8:43**
